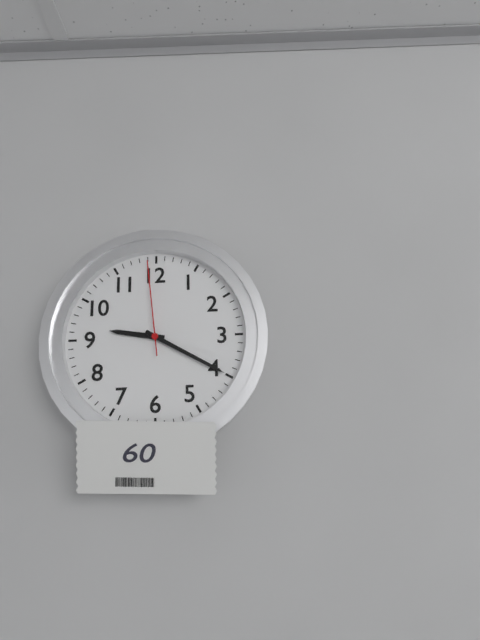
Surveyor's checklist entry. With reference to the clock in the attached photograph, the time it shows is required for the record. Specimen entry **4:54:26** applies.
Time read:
**9:20:59**
